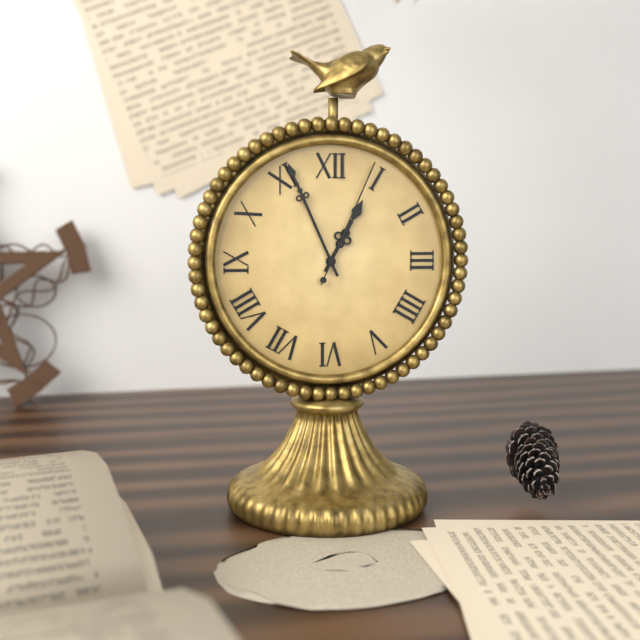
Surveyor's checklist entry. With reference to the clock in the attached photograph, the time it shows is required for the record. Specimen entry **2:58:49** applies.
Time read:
**12:56:04**
